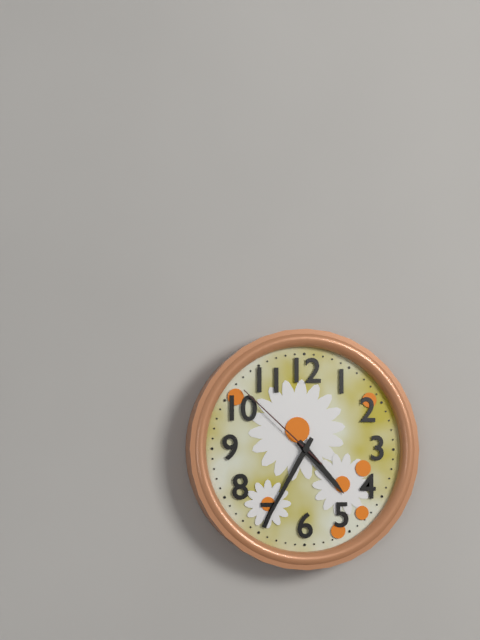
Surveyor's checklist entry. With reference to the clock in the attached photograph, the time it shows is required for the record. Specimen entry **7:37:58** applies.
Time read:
**4:35:52**
